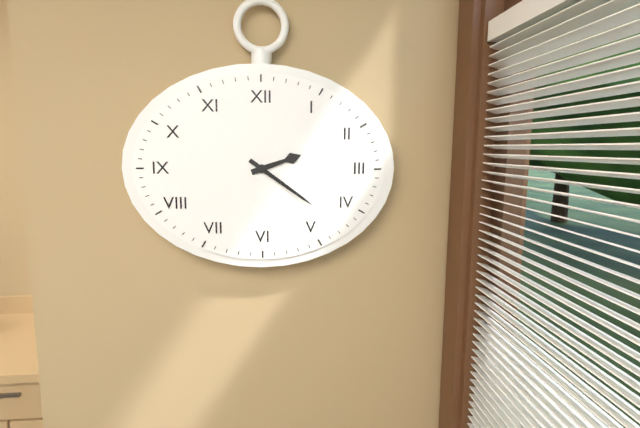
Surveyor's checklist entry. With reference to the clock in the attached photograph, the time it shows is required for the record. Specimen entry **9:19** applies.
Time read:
**2:21**
